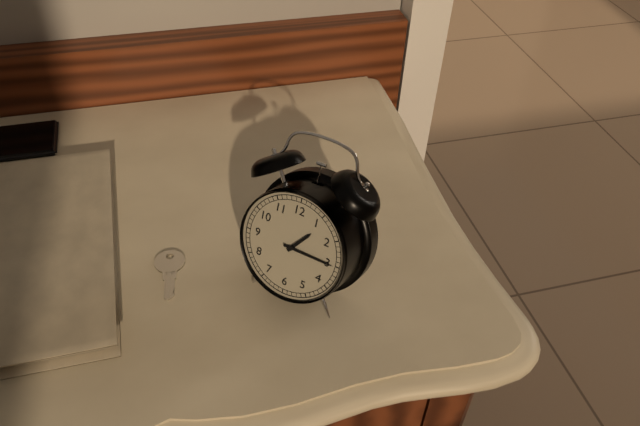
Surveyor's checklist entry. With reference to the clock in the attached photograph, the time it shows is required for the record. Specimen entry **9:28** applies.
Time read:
**1:15**
